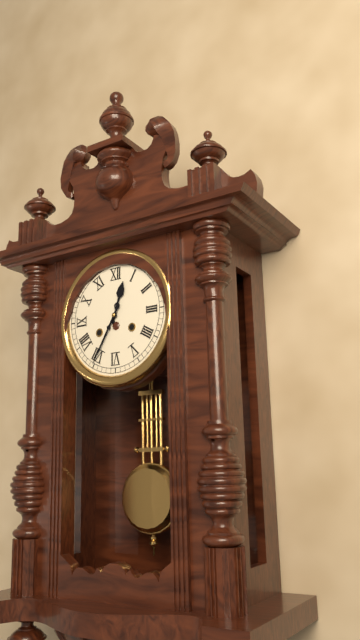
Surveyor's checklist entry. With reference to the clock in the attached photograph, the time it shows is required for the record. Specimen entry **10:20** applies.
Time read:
**12:35**
